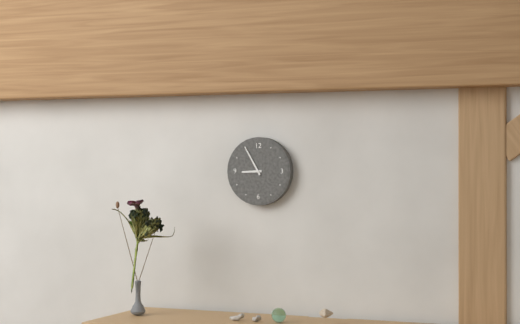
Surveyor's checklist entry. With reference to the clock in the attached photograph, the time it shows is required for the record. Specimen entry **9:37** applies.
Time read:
**8:55**
